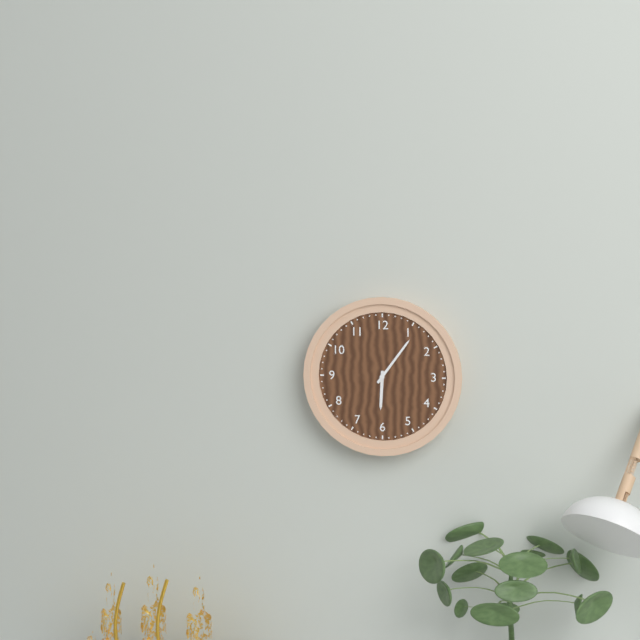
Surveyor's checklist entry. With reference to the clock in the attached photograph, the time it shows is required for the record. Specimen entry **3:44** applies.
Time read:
**6:06**
